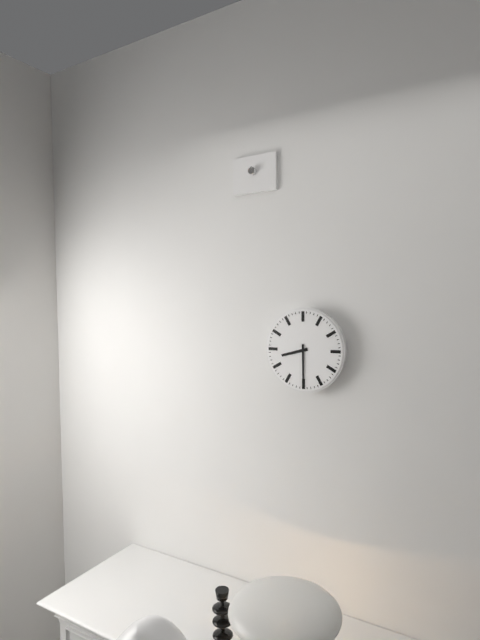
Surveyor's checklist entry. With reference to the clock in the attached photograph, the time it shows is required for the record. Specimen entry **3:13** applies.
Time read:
**8:30**
